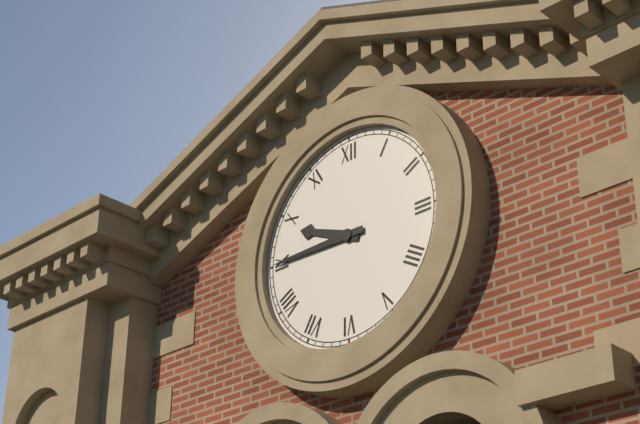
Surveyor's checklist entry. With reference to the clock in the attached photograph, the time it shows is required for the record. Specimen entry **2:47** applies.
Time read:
**9:45**
